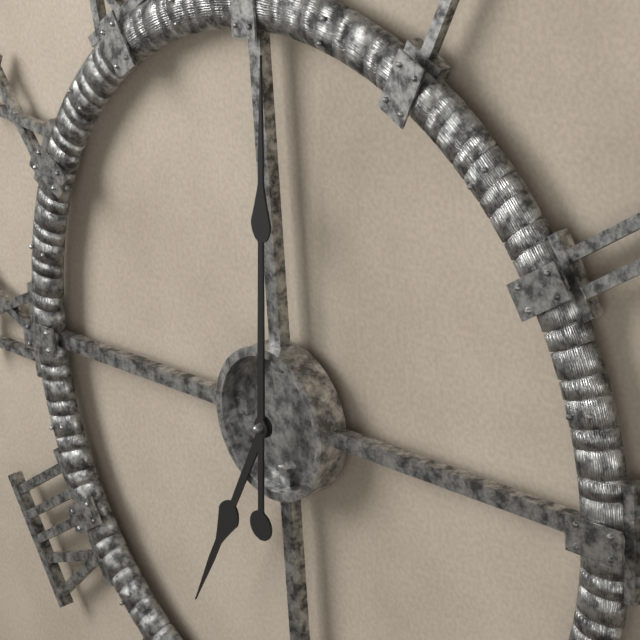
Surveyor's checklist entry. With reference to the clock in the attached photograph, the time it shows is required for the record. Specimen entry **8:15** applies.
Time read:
**7:01**
